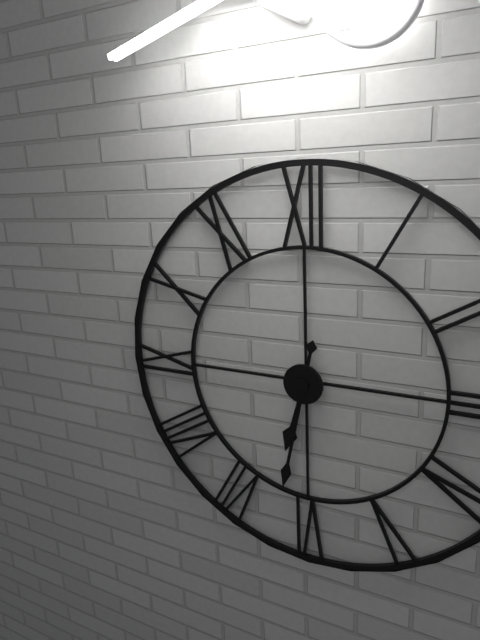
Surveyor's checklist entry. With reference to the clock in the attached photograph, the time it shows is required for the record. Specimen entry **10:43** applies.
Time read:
**6:32**
